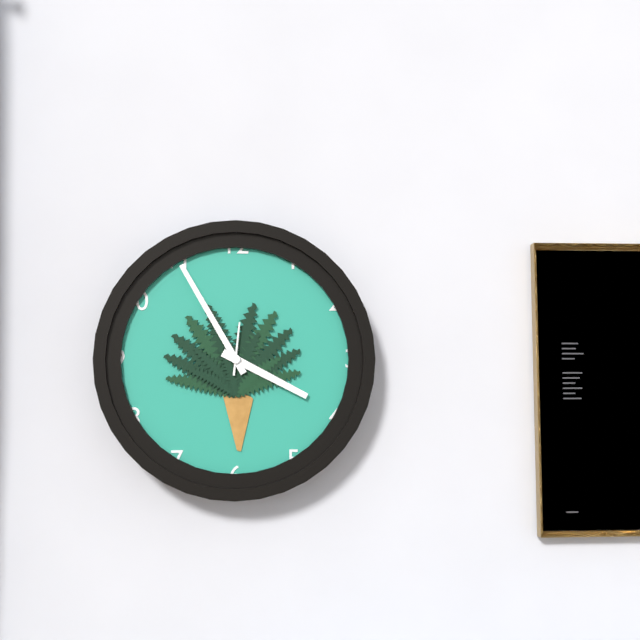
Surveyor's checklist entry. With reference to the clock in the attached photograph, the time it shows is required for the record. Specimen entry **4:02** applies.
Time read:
**3:55**
